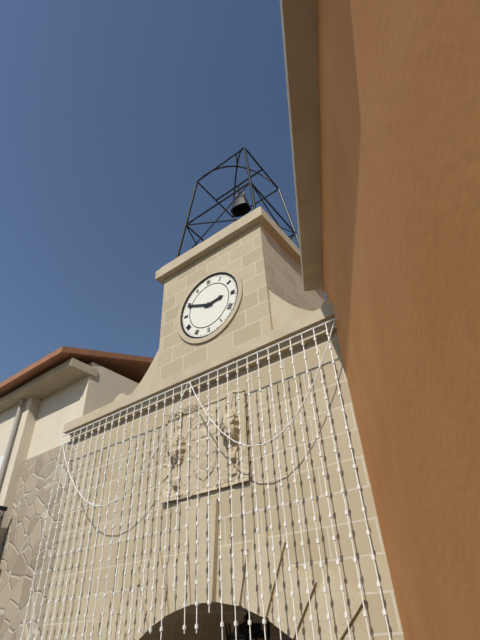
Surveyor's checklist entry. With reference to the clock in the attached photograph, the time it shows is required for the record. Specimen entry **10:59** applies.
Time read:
**2:49**
